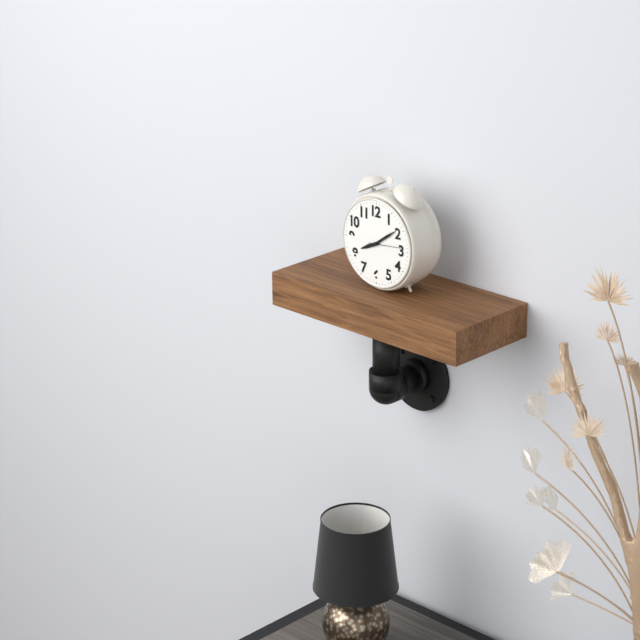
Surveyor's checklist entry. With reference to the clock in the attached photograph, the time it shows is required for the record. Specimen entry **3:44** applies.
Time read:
**8:09**
